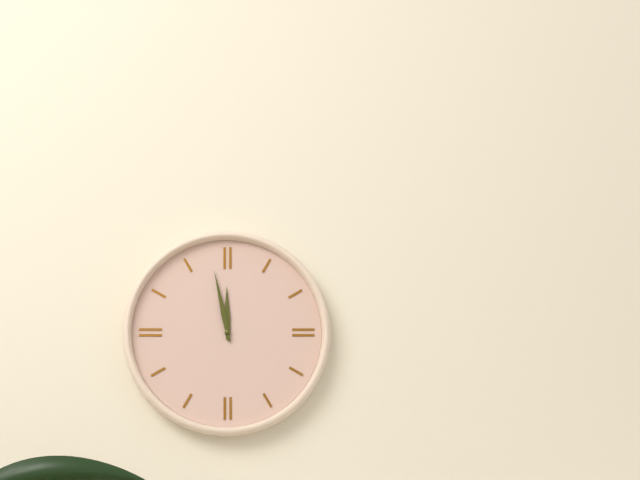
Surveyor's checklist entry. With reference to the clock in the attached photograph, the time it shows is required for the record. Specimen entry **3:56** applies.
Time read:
**11:58**
